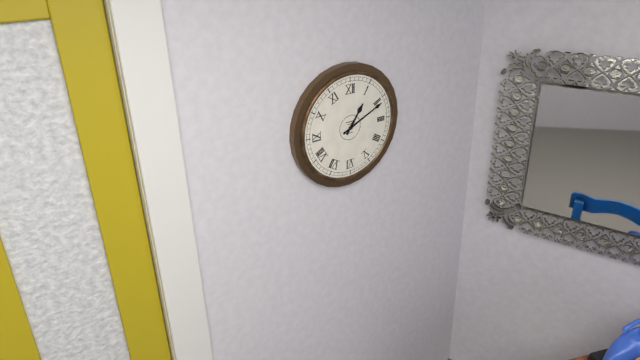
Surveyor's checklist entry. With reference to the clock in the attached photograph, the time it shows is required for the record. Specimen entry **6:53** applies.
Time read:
**1:11**
